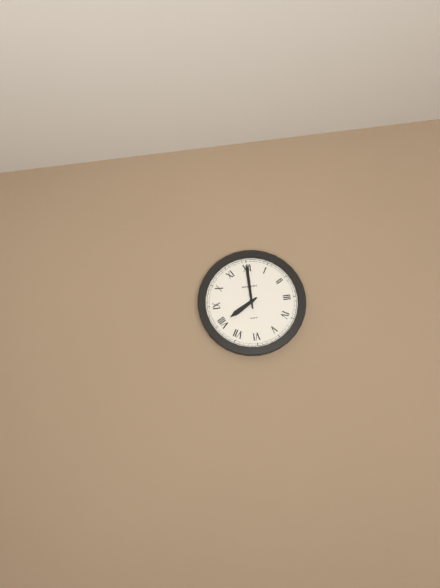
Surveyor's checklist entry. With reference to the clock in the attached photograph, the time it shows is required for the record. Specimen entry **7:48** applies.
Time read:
**8:00**
